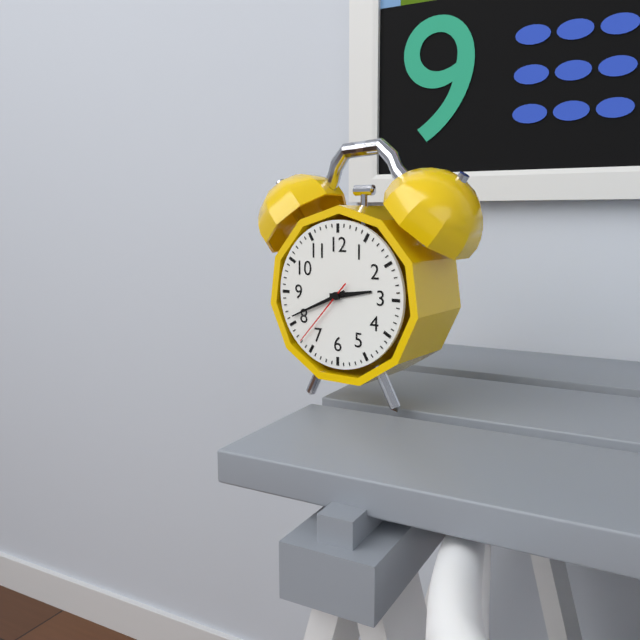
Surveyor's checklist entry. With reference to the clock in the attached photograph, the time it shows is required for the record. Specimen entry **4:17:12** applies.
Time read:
**2:41:37**
